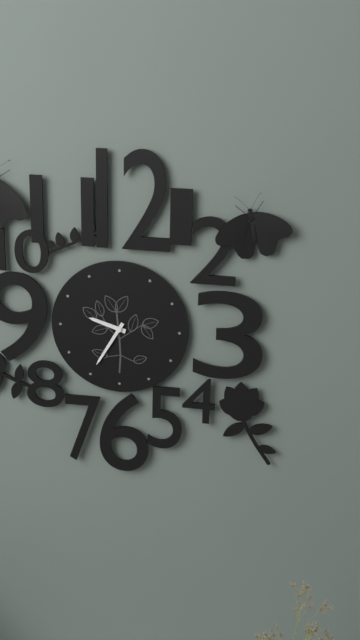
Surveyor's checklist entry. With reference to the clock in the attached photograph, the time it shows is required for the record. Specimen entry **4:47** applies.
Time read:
**9:35**
